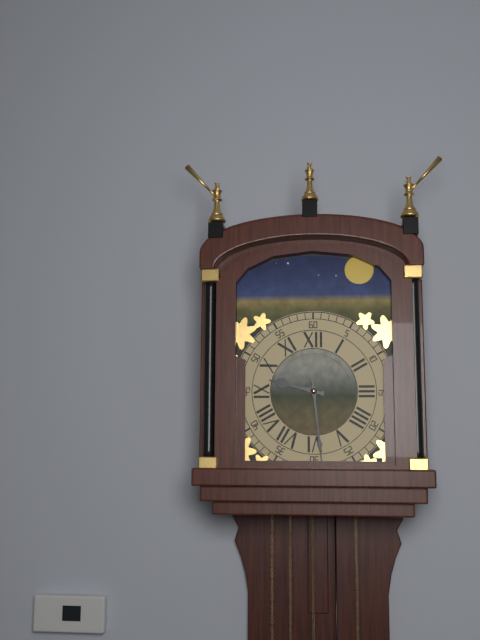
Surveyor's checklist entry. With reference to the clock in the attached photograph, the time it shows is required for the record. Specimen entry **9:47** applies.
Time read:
**9:29**
